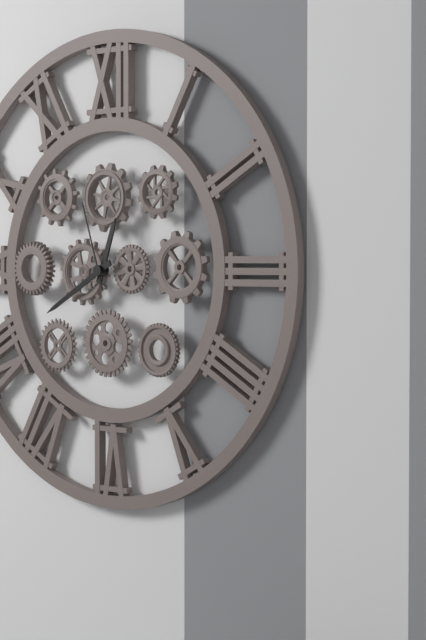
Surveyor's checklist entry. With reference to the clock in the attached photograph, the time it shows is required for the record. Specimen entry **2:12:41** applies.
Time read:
**12:40:57**
